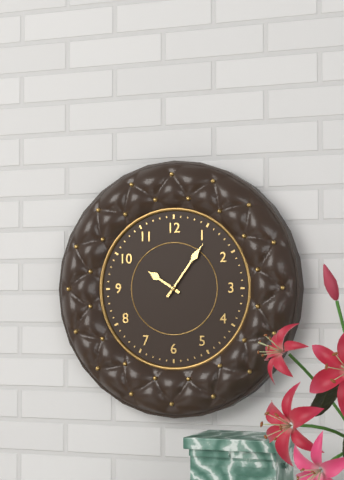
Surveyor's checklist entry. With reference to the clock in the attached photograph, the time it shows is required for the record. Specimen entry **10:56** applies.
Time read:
**10:06**
